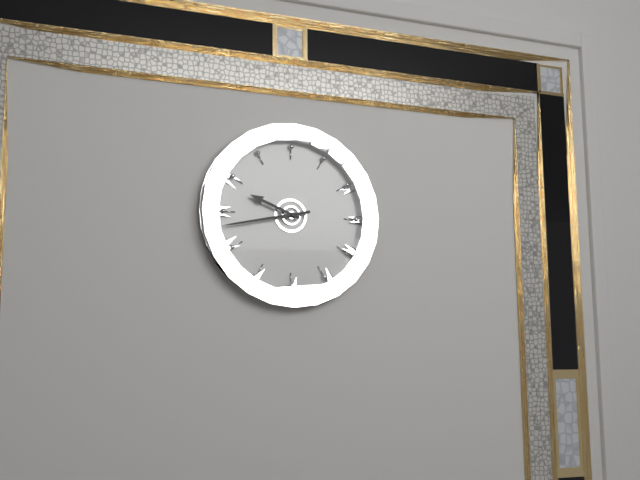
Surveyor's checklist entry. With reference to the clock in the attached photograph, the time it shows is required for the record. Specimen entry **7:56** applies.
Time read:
**9:43**
